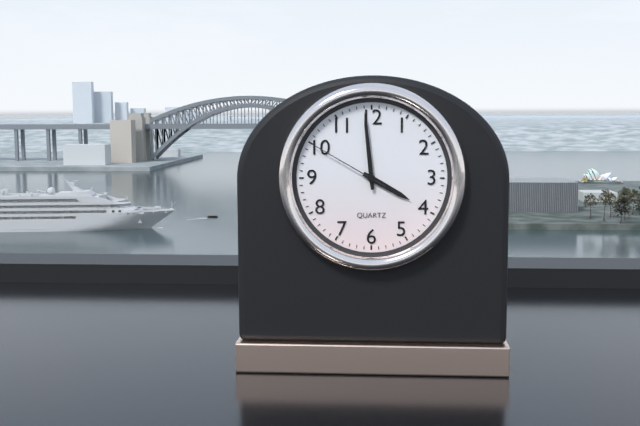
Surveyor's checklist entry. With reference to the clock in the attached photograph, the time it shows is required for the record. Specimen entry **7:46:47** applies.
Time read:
**3:59:50**
